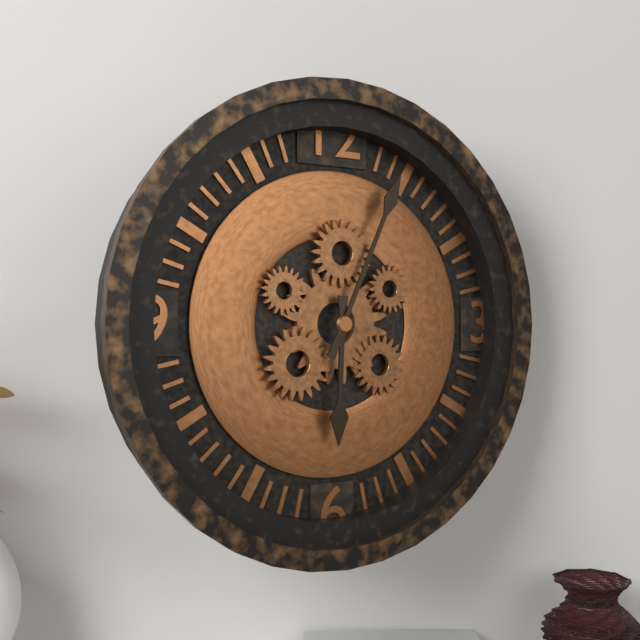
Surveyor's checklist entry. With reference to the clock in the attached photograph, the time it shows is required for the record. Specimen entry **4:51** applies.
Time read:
**6:04**
